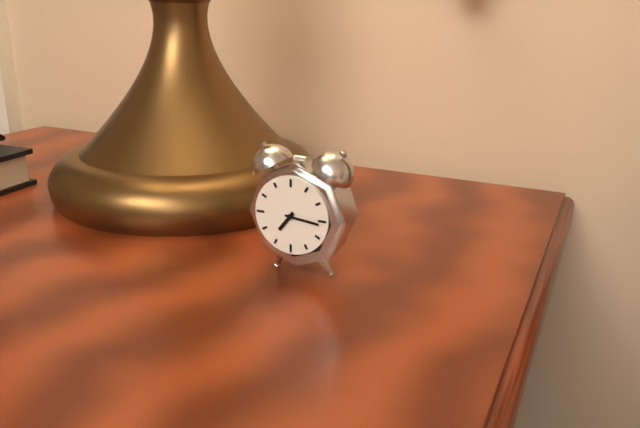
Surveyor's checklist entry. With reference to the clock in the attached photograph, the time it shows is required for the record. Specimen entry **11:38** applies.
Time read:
**7:16**
